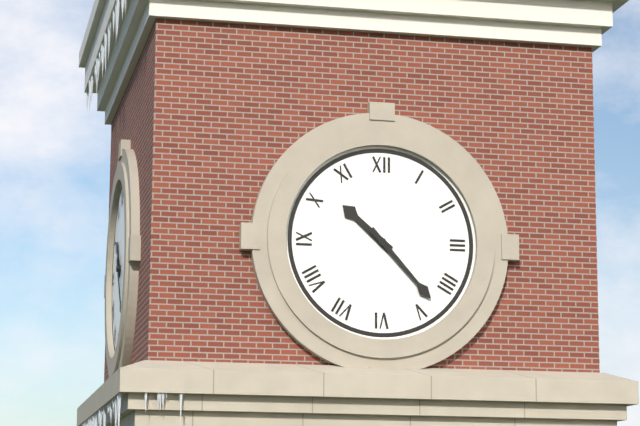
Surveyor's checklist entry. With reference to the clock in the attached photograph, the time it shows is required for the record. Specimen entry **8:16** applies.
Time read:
**10:23**
